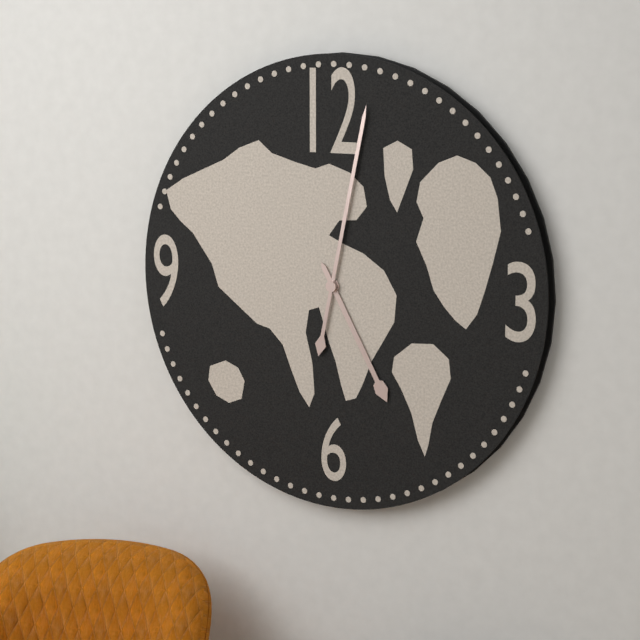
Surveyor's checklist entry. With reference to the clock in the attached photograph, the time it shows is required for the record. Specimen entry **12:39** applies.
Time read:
**5:02**
